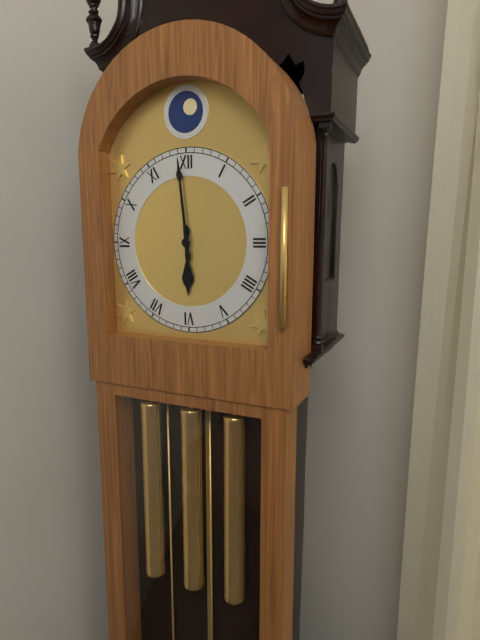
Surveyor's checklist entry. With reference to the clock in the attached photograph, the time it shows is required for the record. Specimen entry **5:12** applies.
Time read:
**5:59**
